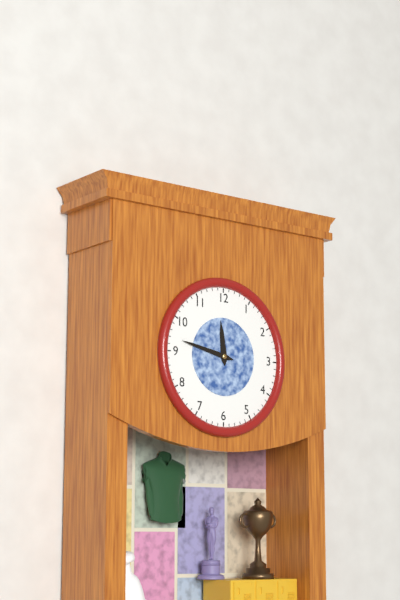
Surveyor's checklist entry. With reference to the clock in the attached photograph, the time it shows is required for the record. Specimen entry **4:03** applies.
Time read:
**11:47**
